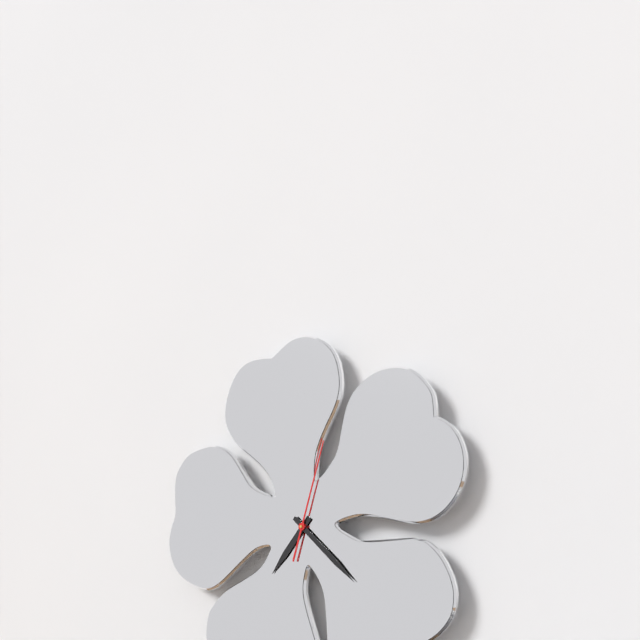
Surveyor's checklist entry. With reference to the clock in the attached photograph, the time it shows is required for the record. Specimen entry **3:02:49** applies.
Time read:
**7:22:03**
